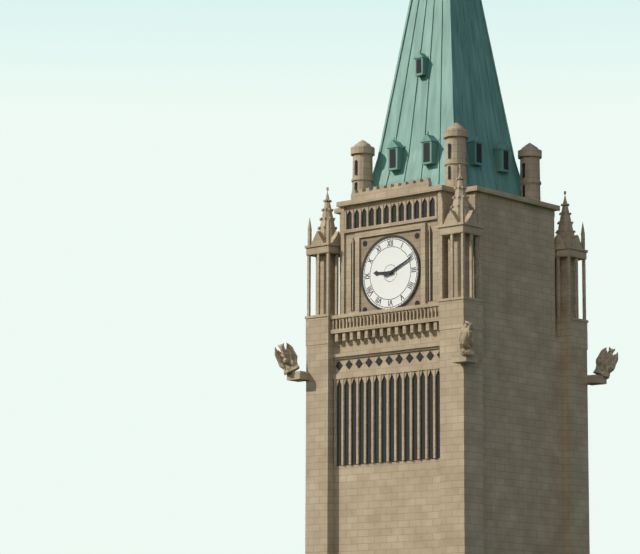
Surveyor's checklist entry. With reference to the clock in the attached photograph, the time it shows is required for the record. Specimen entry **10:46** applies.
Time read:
**9:11**
